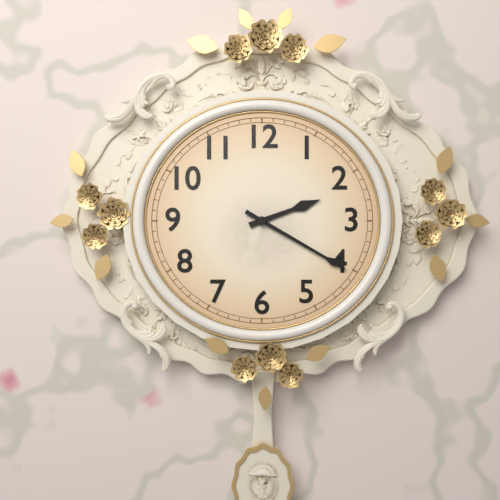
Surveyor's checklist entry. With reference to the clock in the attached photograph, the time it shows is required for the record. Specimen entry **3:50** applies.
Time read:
**2:20**
